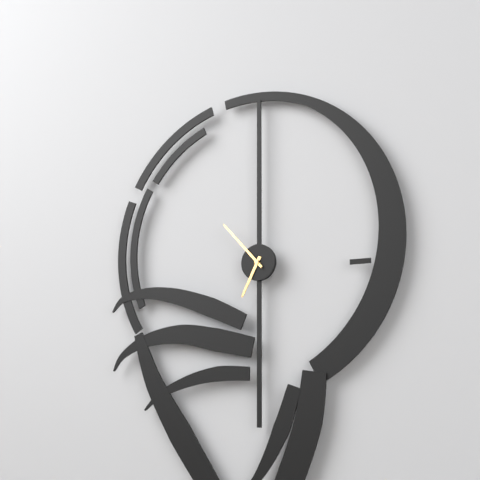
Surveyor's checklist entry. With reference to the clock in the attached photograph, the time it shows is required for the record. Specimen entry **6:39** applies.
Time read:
**6:53**
